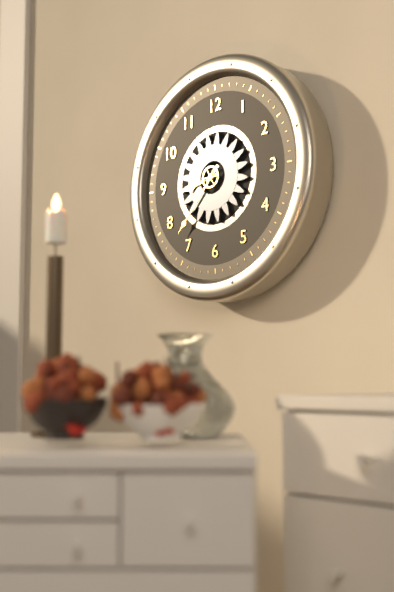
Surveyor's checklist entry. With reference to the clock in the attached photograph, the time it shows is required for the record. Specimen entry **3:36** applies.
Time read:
**8:37**
